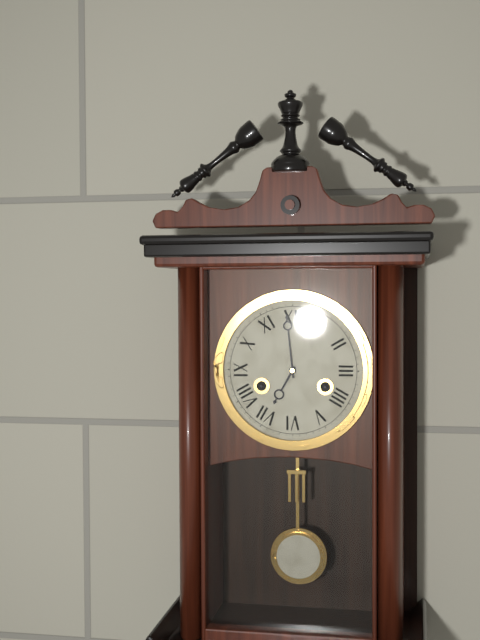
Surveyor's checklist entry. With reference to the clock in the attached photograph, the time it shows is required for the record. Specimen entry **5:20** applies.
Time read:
**6:59**
